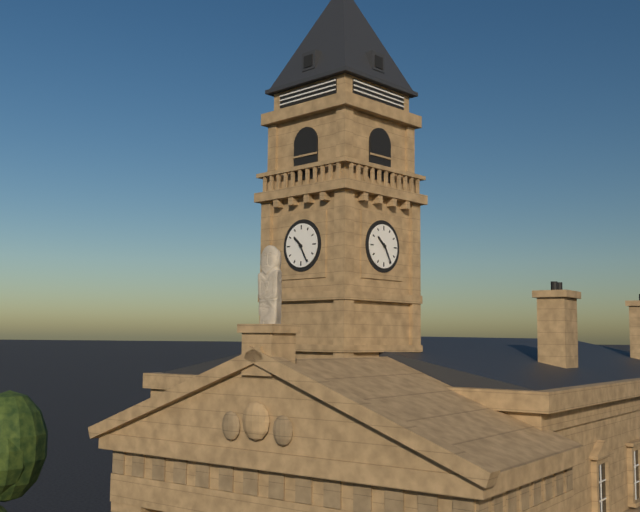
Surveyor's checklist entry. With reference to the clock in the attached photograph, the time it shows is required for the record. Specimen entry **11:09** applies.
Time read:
**10:25**
